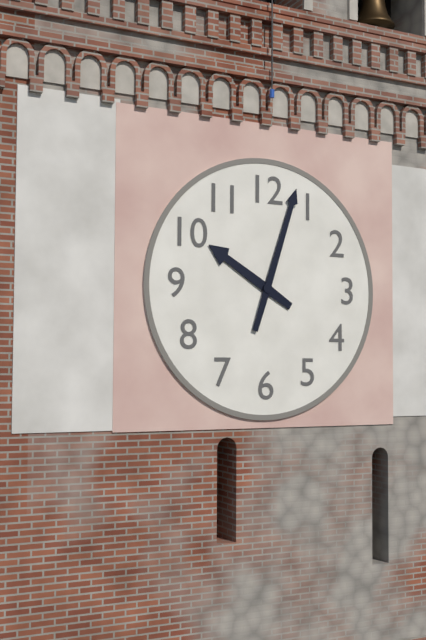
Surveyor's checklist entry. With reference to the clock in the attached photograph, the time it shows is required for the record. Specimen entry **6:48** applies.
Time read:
**10:03**
